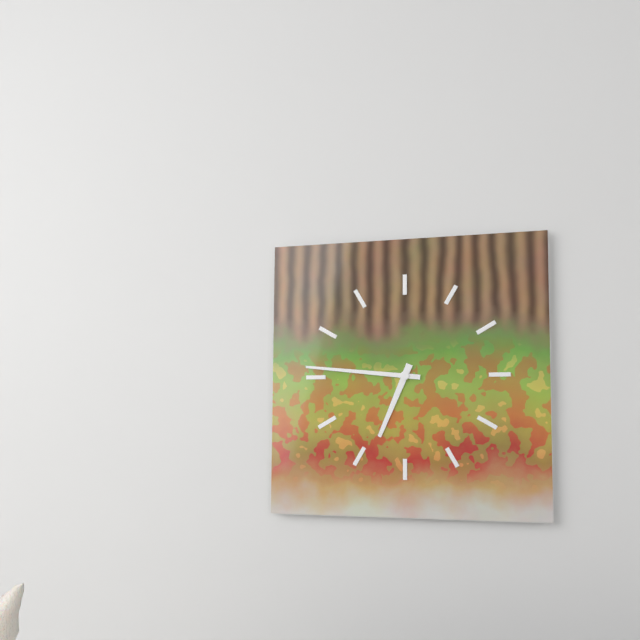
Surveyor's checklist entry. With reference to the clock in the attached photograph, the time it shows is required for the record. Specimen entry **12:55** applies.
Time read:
**6:46**
